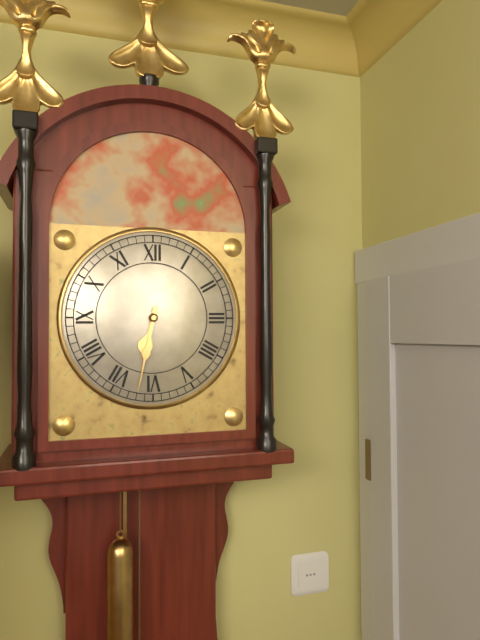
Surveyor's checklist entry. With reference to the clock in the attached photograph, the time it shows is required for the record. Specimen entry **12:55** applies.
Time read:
**6:32**
